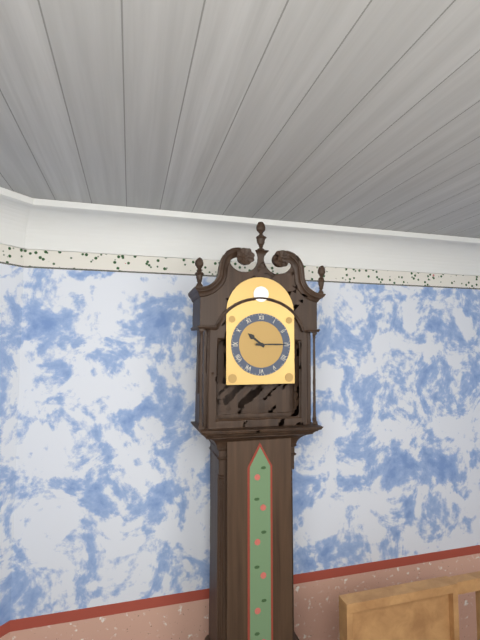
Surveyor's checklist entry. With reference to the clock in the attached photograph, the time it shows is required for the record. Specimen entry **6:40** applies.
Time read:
**10:15**
